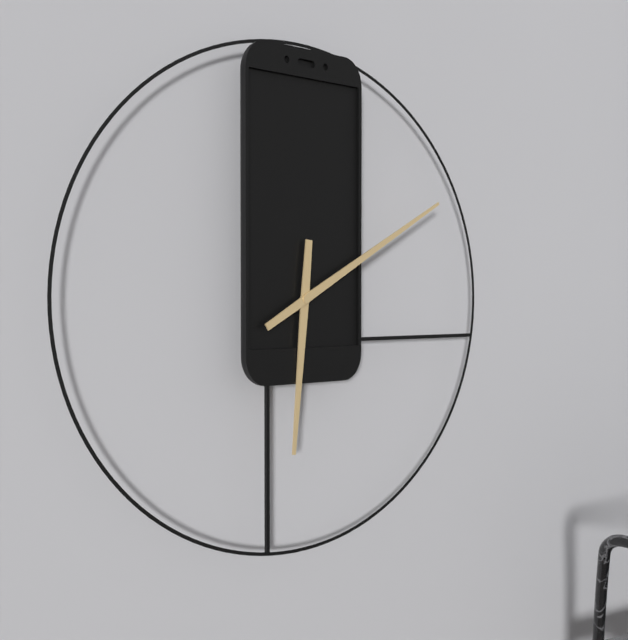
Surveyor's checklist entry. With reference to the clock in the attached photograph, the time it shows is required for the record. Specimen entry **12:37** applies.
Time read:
**6:10**
